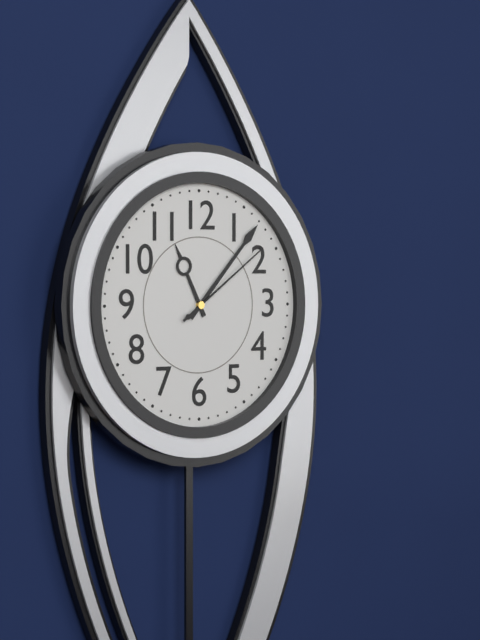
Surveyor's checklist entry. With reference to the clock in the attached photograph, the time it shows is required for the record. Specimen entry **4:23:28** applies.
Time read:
**11:07:09**
